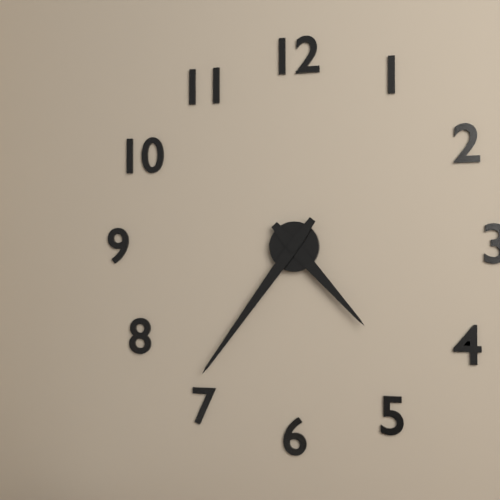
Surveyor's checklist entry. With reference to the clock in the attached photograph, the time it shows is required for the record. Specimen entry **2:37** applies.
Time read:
**4:36**
